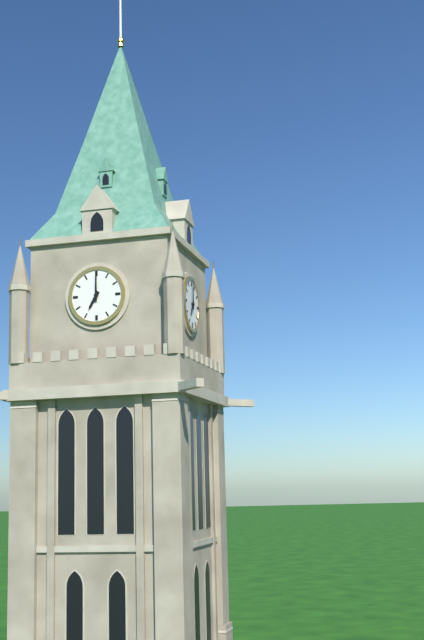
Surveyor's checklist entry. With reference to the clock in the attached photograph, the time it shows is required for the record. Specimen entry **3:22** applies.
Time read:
**7:00**
